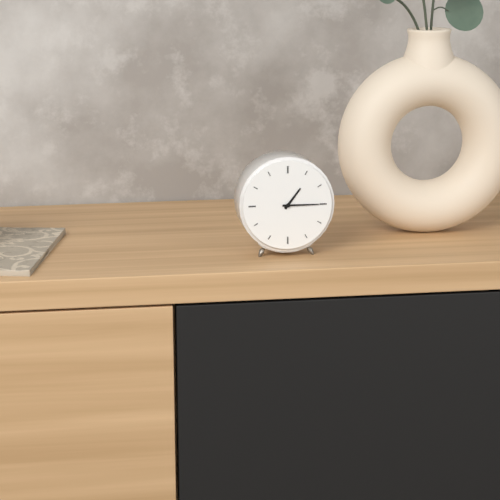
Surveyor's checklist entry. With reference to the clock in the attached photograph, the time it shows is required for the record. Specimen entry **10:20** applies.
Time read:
**1:15**
